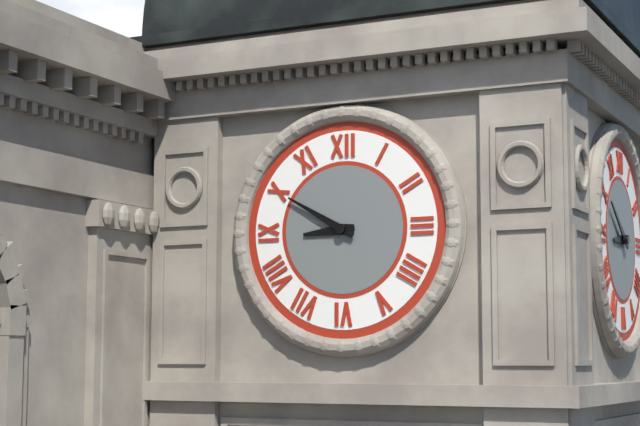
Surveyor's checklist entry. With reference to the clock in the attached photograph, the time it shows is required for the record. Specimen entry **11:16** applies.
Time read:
**8:50**
